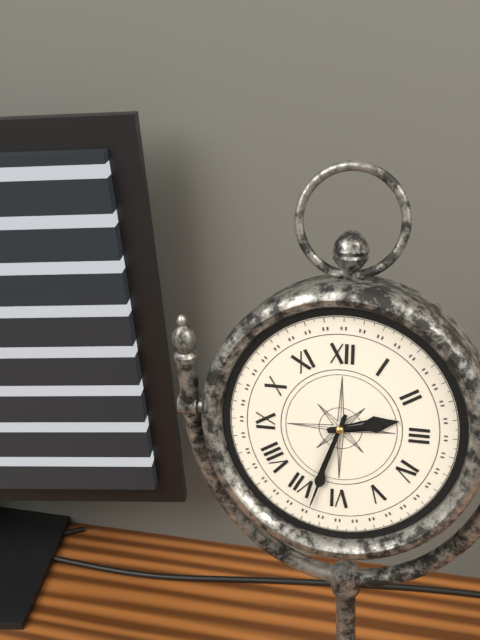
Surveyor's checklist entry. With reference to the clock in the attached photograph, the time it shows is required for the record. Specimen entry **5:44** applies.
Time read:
**2:33**
